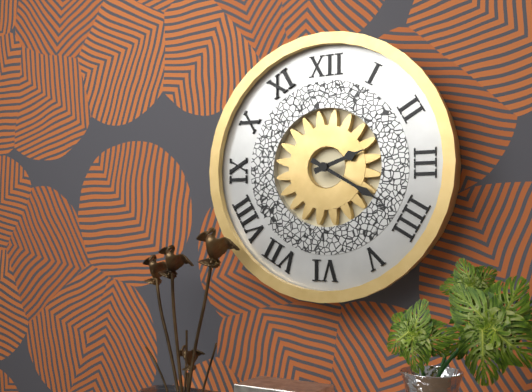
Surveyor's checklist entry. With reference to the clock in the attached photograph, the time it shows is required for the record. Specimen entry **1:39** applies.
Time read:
**2:20**
